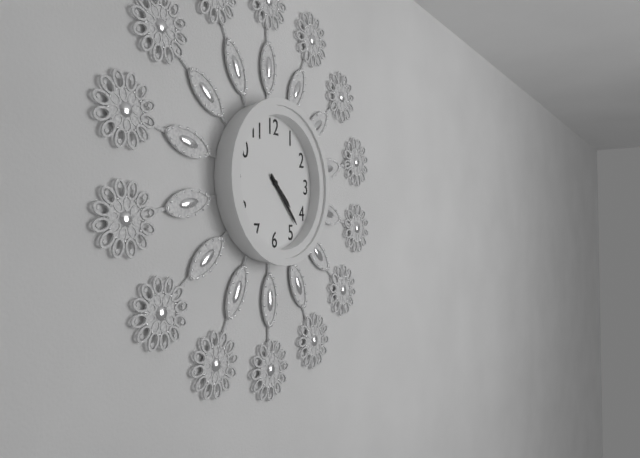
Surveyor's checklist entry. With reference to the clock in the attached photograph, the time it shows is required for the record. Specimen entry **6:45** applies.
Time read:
**4:23**
